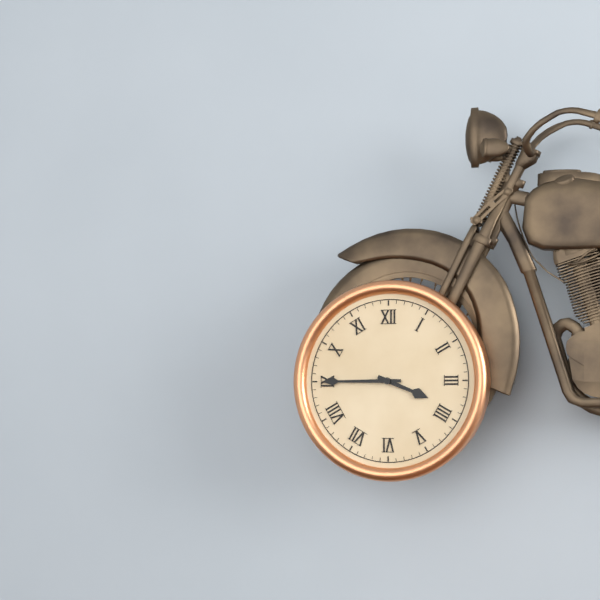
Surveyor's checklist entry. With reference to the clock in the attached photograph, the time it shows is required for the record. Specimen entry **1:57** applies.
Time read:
**3:45**
